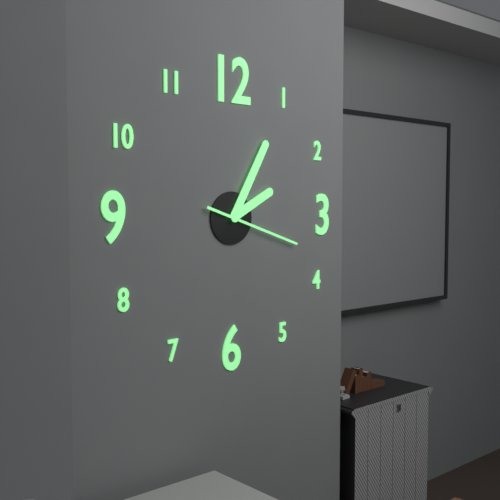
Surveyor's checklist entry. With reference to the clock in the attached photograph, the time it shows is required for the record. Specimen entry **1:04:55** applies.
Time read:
**2:05:18**
